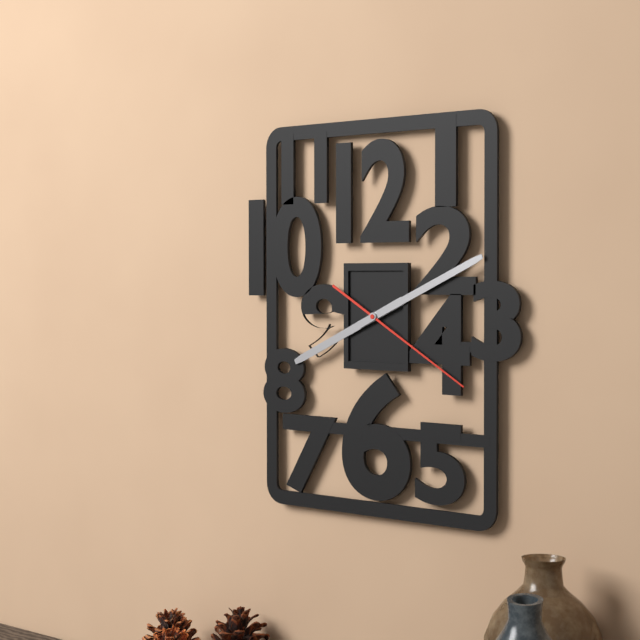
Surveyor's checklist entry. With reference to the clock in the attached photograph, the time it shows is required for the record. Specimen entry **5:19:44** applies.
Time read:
**8:11:20**
